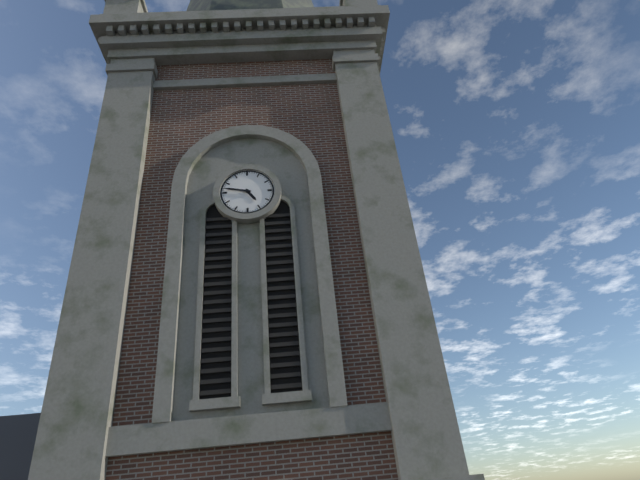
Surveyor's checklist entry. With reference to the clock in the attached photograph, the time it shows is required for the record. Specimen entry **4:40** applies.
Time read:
**4:47**
